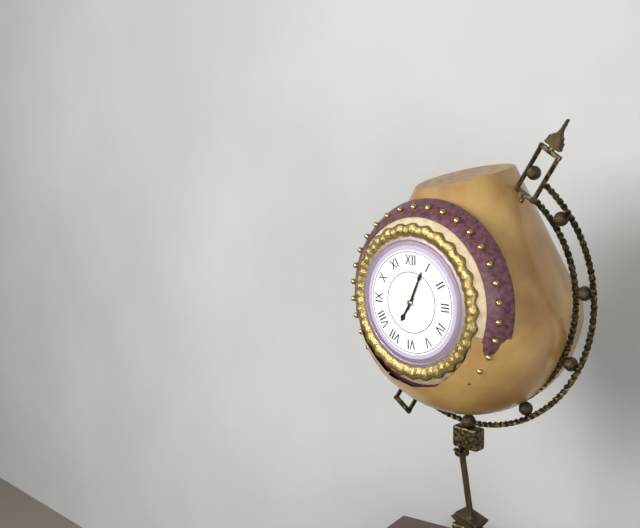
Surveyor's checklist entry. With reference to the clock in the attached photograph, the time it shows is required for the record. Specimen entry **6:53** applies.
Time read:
**7:04**
